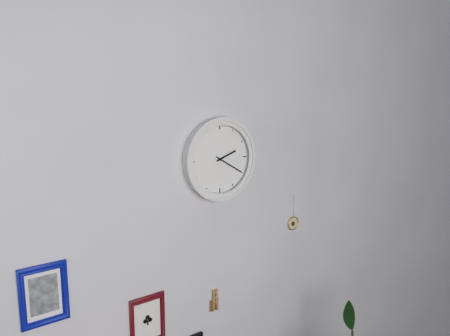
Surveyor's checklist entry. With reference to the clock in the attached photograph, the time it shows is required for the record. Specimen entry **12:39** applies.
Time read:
**2:20**
